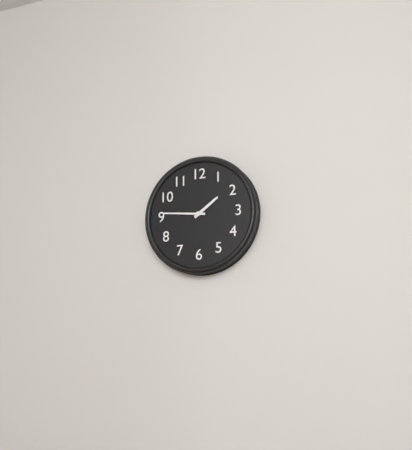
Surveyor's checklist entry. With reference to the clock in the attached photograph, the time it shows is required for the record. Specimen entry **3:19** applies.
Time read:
**1:46**
